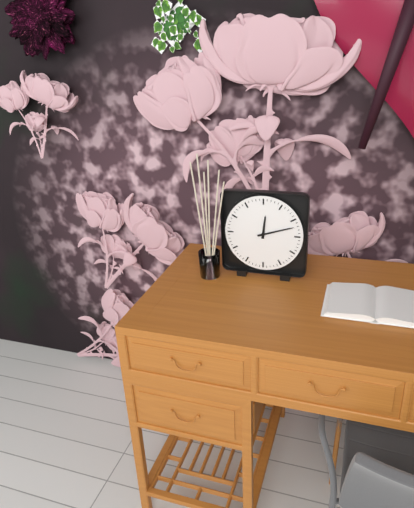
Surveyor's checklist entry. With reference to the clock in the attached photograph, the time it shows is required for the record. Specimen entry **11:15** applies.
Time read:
**12:12**
